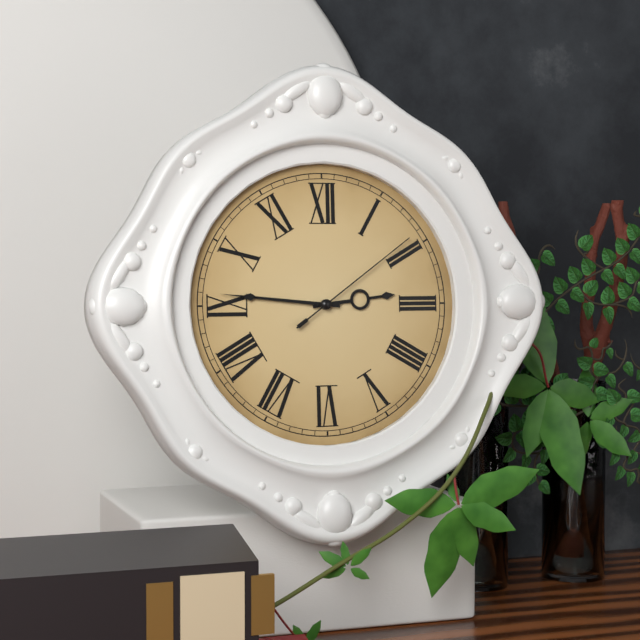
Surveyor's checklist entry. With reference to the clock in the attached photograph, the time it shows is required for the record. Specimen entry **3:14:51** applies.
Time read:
**2:46:09**
